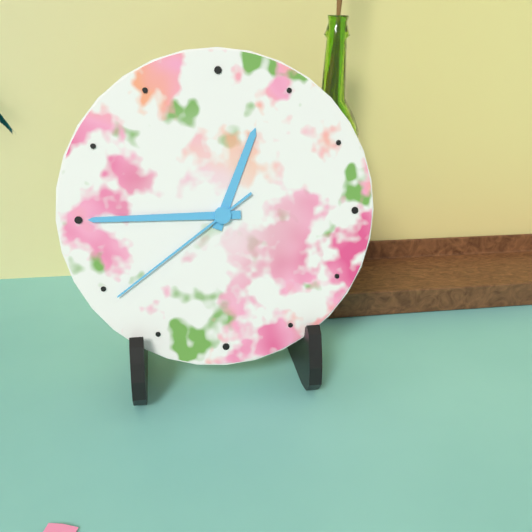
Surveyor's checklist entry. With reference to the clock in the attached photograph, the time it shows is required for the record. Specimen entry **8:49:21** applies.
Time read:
**12:45:39**
